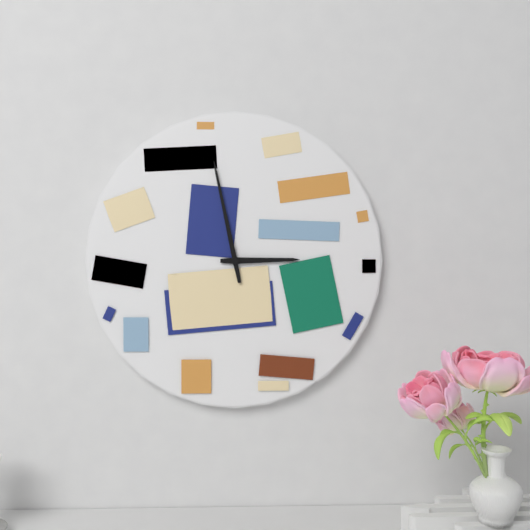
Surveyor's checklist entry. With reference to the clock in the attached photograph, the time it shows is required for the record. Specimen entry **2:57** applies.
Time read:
**2:58**
